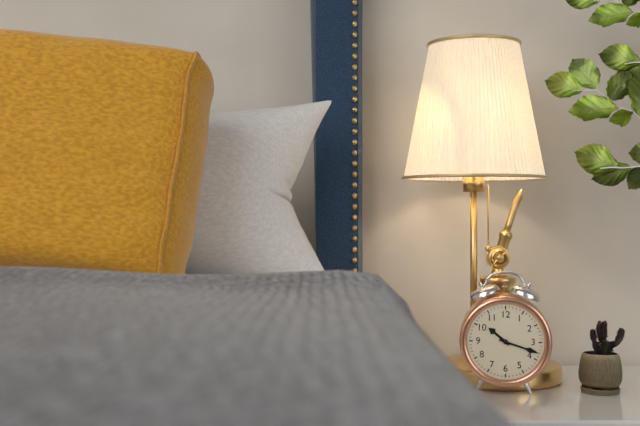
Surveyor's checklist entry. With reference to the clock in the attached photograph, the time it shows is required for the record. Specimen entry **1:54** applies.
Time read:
**10:18**
